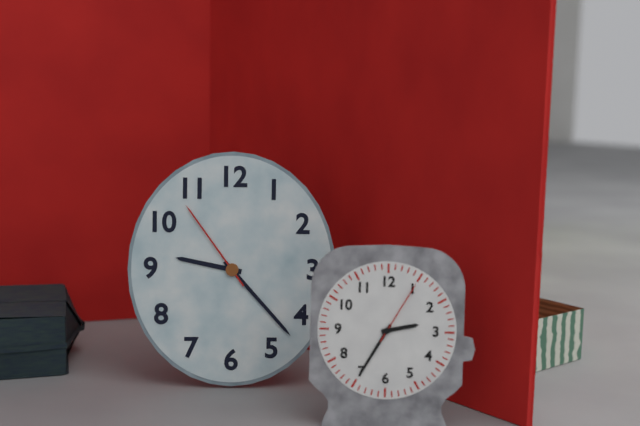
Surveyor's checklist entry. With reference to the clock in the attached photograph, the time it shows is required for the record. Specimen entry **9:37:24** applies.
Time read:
**9:23:54**
